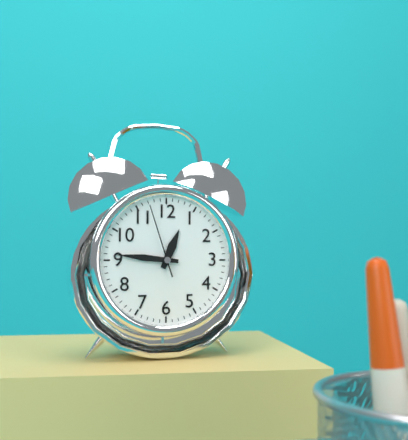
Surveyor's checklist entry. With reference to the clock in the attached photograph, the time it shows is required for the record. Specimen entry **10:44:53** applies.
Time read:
**12:46:57**
